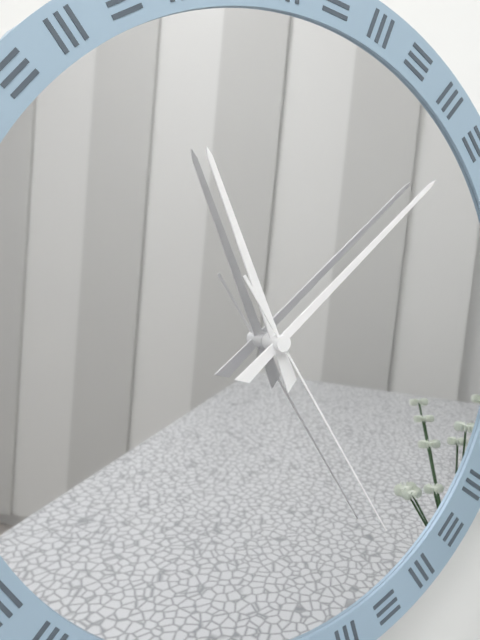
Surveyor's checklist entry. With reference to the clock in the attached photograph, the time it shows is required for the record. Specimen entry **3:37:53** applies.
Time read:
**11:08:24**
